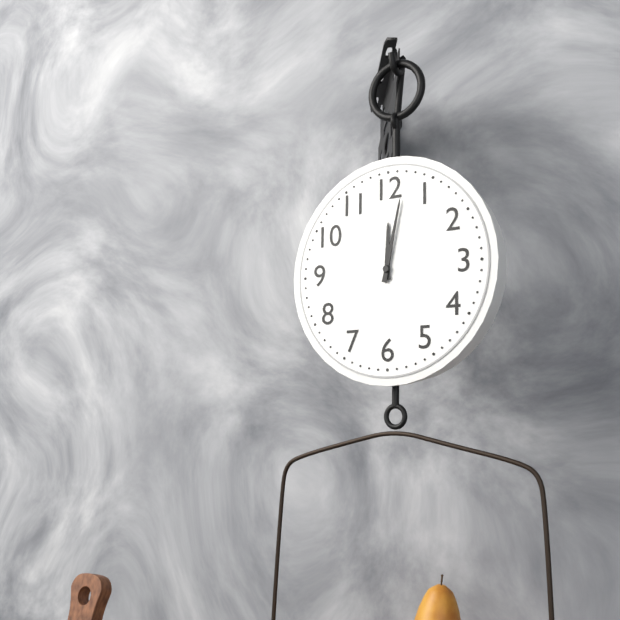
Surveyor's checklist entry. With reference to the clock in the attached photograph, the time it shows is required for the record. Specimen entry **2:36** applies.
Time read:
**12:02**
